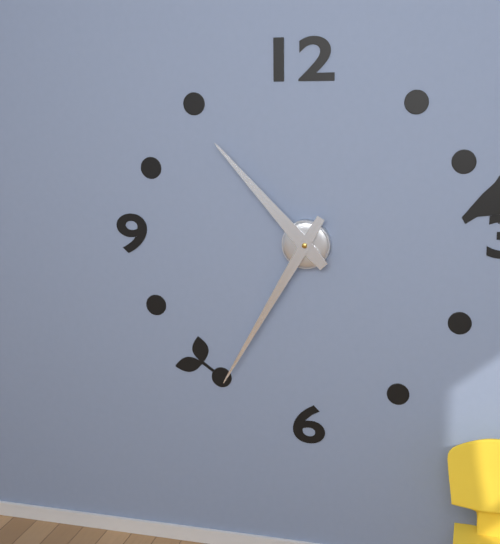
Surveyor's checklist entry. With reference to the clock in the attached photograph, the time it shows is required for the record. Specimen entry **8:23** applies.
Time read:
**10:35**
